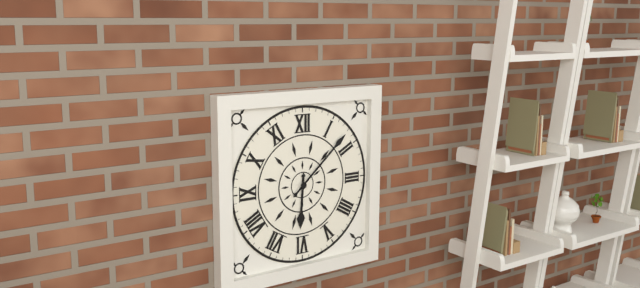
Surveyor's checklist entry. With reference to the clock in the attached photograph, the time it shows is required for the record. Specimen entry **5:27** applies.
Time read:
**6:08**
